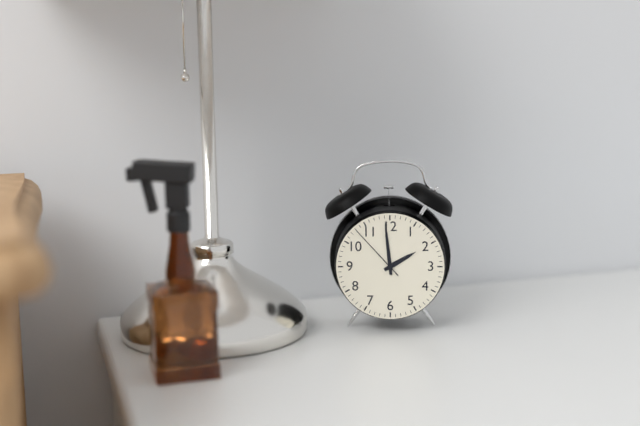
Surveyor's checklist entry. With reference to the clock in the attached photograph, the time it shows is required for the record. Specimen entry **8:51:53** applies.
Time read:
**1:59:53**
